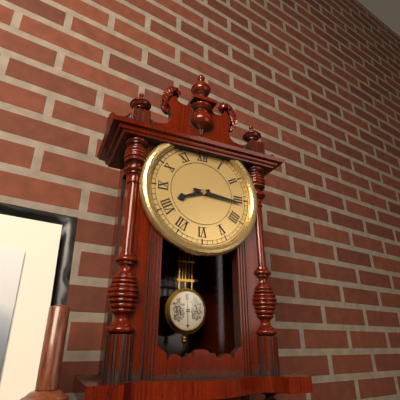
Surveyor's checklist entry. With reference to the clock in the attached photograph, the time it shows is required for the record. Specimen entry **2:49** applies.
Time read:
**8:16**
